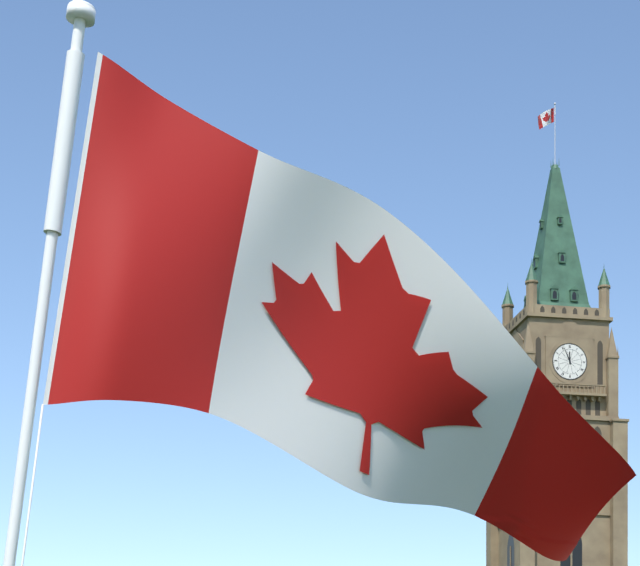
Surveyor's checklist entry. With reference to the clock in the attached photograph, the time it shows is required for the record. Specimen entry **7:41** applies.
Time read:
**11:56**
